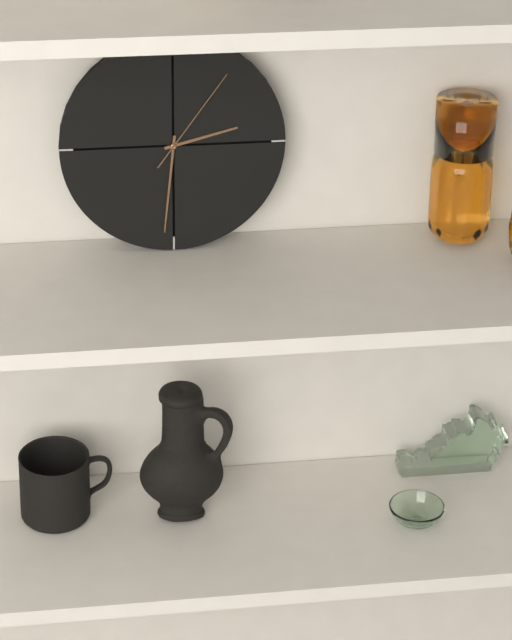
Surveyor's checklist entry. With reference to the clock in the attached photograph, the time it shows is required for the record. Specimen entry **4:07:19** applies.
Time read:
**2:31:06**
